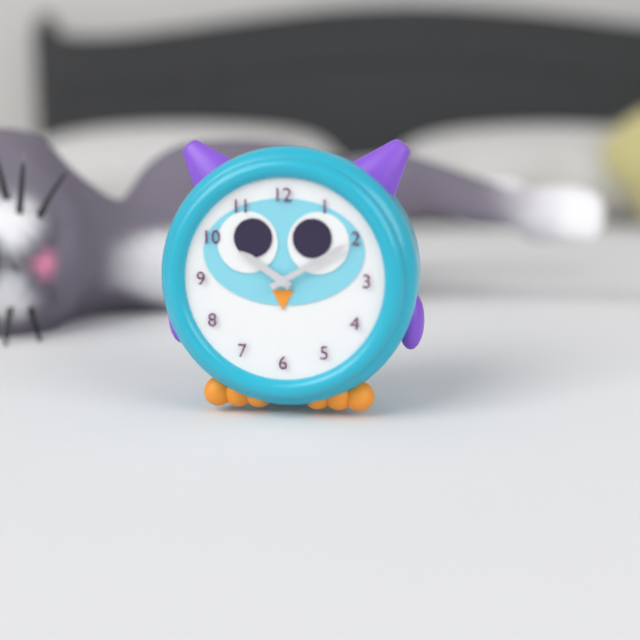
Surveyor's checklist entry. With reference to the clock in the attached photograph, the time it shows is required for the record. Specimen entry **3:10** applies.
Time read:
**10:10**
